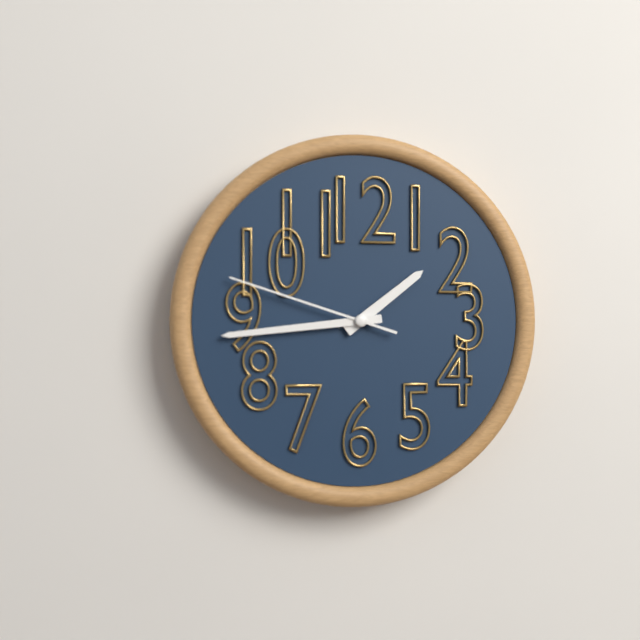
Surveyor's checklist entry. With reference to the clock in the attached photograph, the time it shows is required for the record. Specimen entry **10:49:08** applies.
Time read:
**1:44:48**
